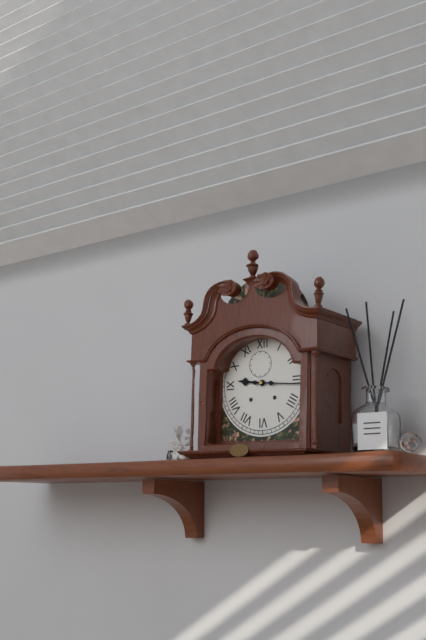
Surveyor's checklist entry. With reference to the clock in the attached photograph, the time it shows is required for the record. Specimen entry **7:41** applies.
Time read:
**9:16**
